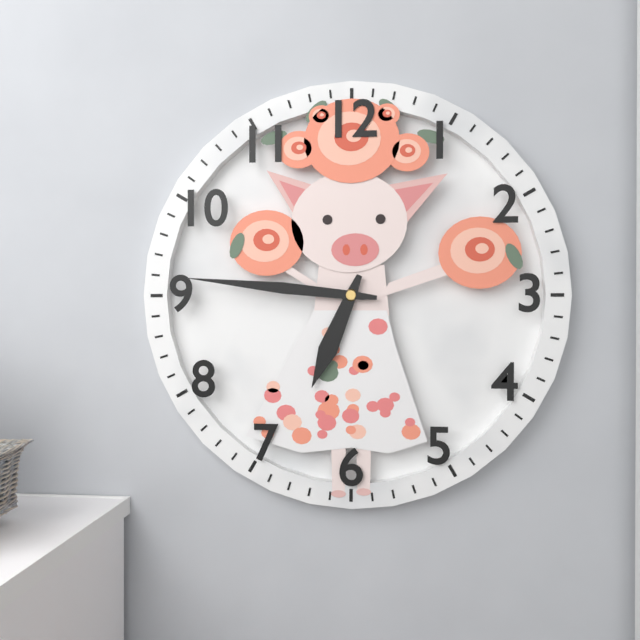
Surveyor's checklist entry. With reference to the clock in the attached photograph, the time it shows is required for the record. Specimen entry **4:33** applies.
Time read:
**6:46**
